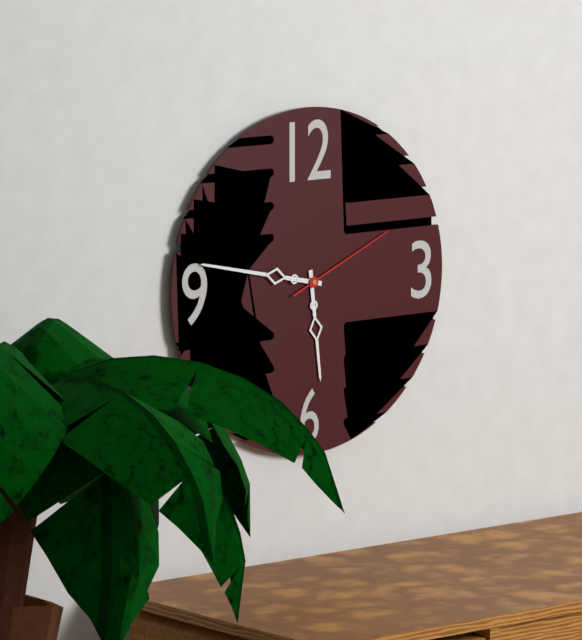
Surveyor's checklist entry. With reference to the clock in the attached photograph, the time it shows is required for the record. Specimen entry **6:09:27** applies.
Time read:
**5:47:11**
